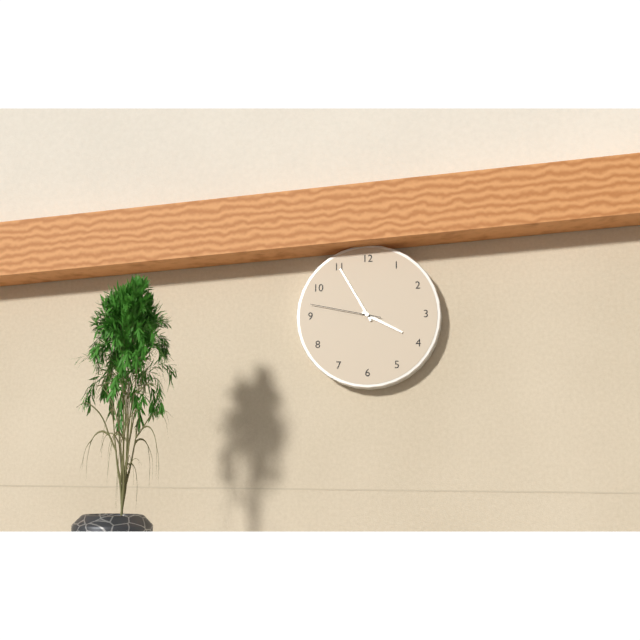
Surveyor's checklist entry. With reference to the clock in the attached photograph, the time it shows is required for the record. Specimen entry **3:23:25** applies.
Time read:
**3:55:47**
